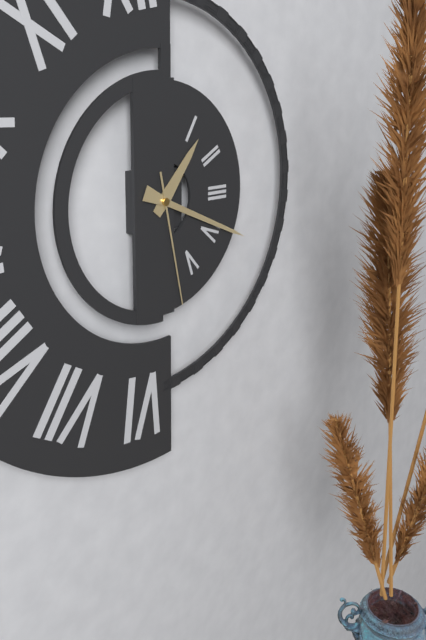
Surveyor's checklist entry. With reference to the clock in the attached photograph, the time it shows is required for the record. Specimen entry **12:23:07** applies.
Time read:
**1:19:28**
